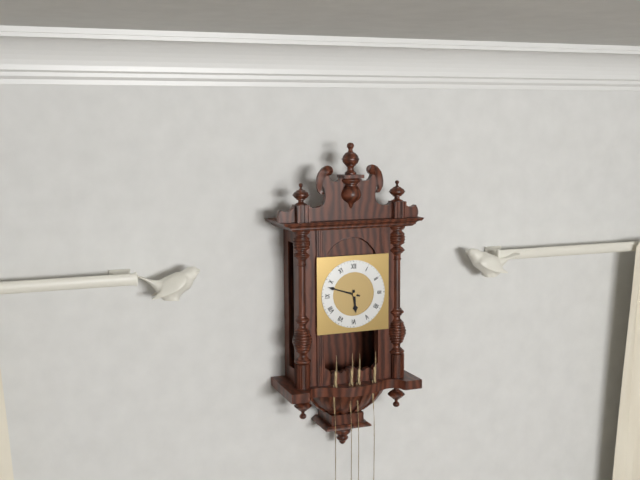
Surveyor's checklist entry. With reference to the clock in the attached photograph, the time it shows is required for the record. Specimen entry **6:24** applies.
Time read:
**5:48**
